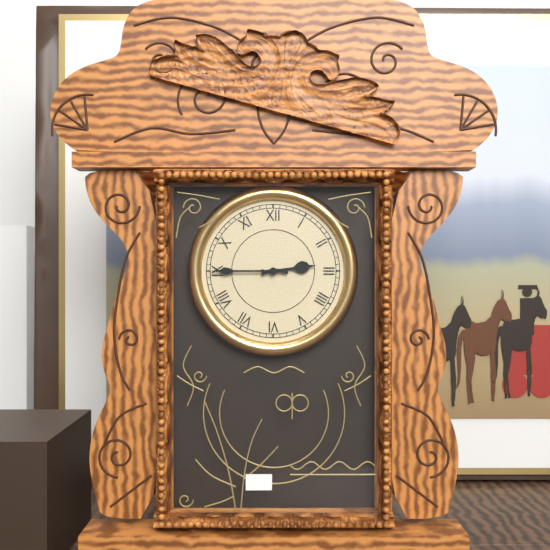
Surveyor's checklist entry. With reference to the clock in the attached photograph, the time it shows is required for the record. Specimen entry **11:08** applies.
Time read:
**2:45**
